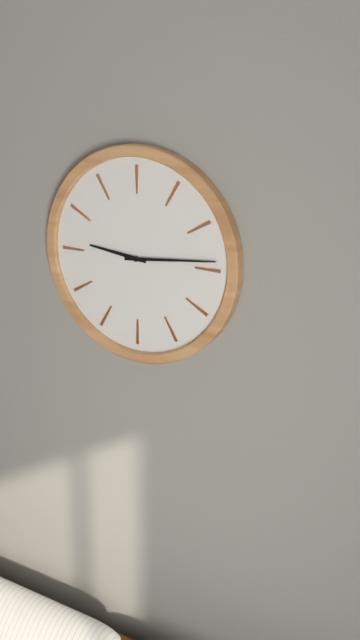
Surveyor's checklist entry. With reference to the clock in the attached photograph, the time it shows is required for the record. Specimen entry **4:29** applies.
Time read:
**9:14**
